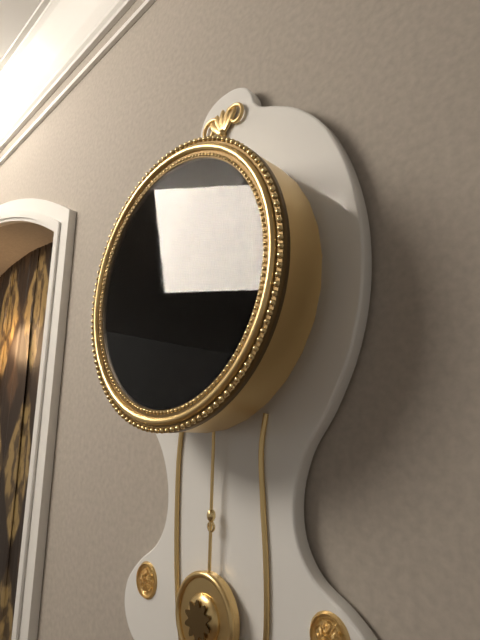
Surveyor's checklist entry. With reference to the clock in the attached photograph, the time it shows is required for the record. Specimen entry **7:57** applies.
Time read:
**4:38**
